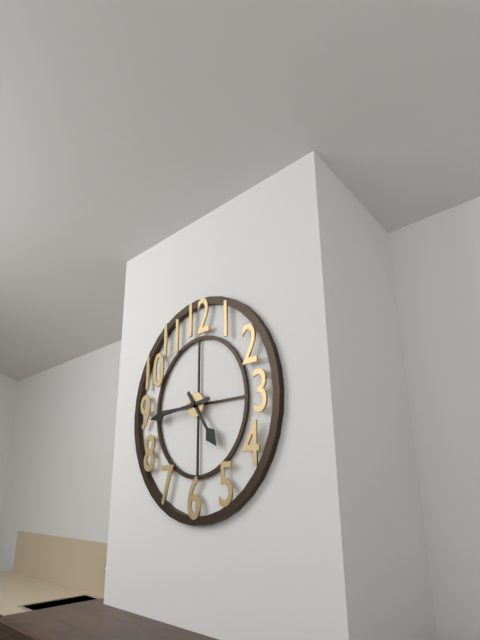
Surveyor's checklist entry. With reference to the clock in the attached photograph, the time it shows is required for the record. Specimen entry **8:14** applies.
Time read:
**4:44**
